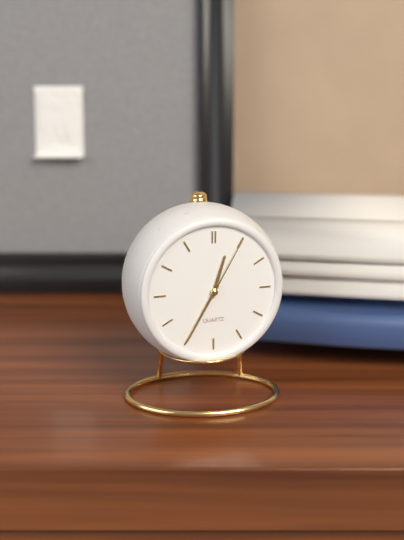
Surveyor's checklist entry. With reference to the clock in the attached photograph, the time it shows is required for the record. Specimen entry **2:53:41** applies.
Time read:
**12:35:05**
